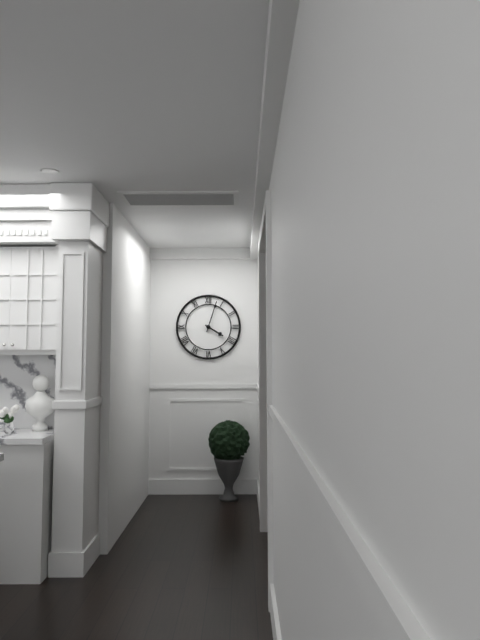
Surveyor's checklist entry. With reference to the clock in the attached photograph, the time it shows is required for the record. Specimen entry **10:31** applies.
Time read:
**4:03**
